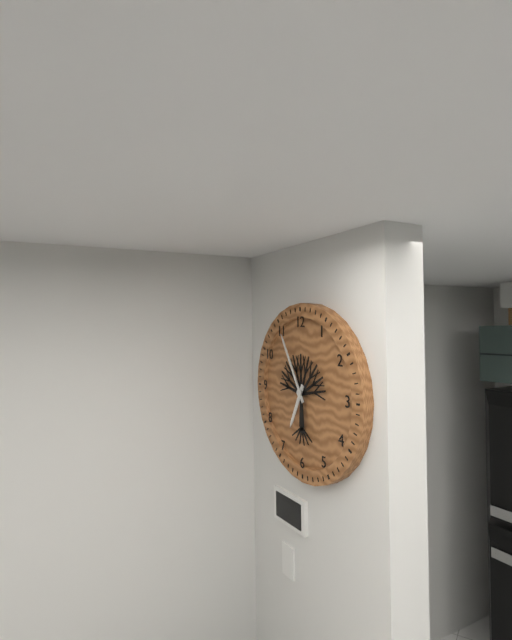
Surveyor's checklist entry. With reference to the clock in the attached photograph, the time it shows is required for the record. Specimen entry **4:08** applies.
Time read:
**6:55**
